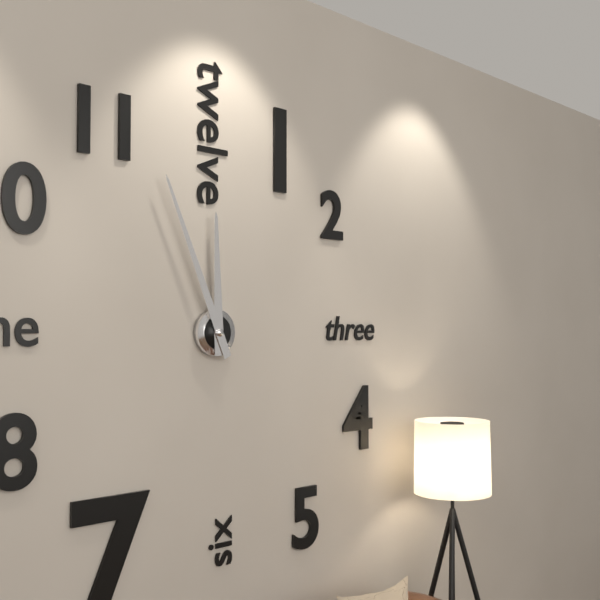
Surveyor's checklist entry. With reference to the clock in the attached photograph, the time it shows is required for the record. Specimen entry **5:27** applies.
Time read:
**11:56**
